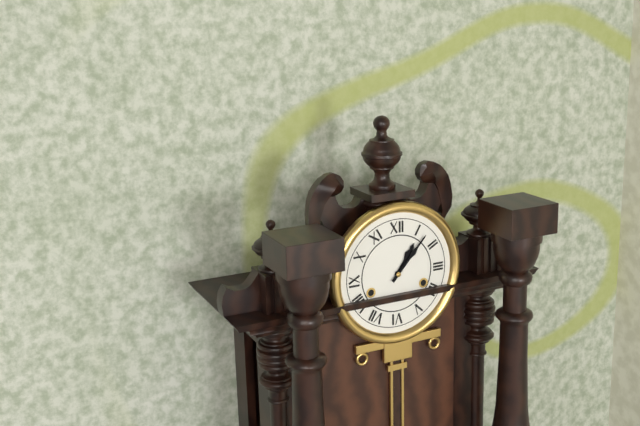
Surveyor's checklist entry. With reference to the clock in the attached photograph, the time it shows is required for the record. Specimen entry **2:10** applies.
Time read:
**1:07**
